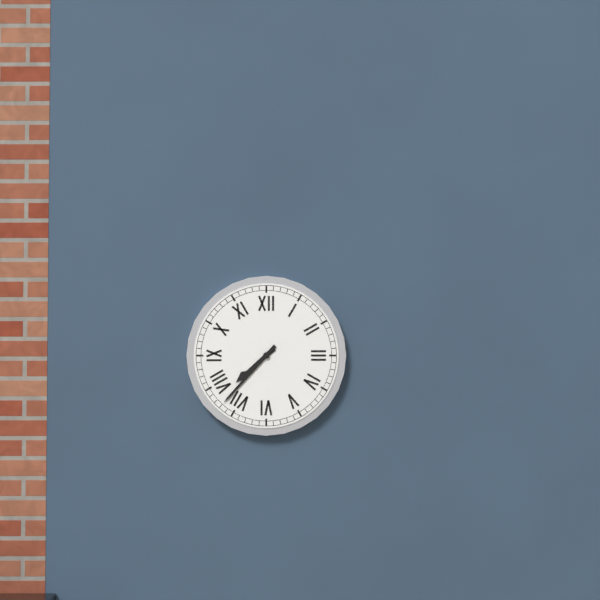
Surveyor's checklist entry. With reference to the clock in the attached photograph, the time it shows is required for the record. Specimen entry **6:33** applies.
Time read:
**7:37**
